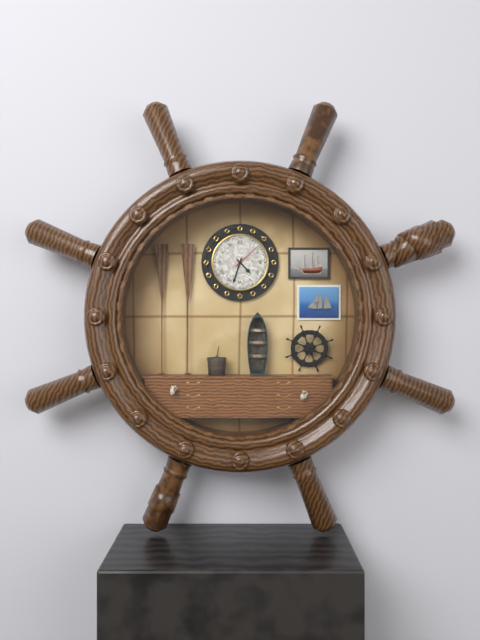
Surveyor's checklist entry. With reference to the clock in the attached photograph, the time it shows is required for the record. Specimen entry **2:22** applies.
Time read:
**4:33**
